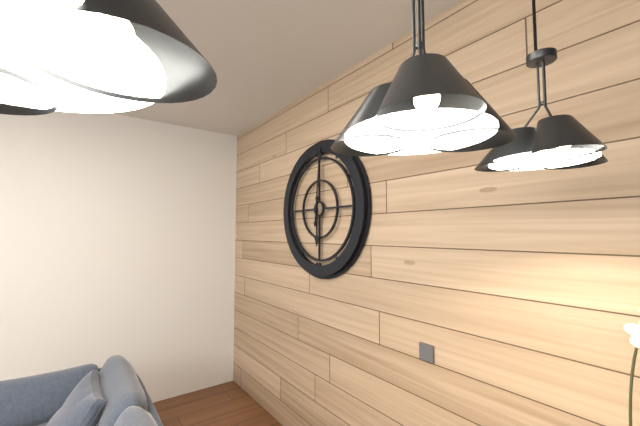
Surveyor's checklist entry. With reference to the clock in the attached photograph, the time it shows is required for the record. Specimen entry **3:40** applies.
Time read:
**6:01**
